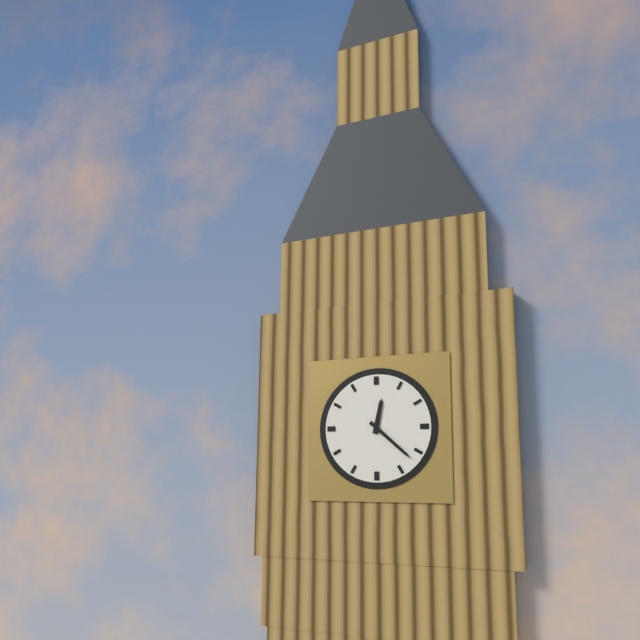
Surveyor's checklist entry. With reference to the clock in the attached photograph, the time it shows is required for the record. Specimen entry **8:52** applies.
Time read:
**12:22**
